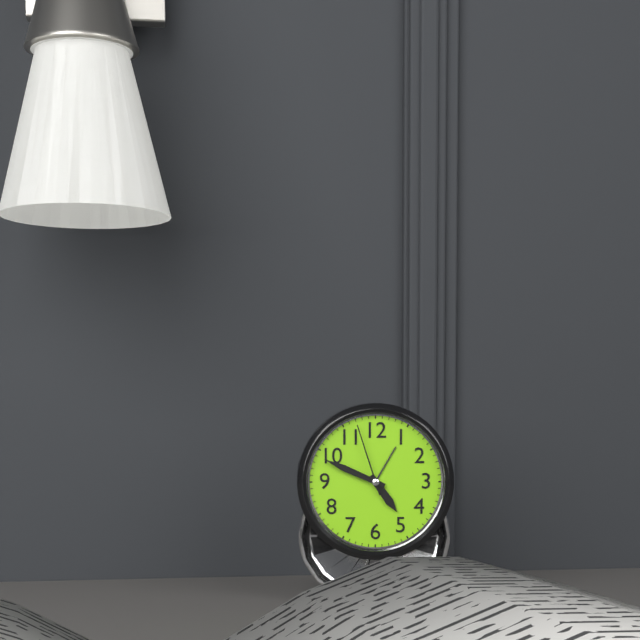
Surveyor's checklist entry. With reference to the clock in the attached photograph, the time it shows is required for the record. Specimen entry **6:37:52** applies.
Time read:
**4:49:57**
